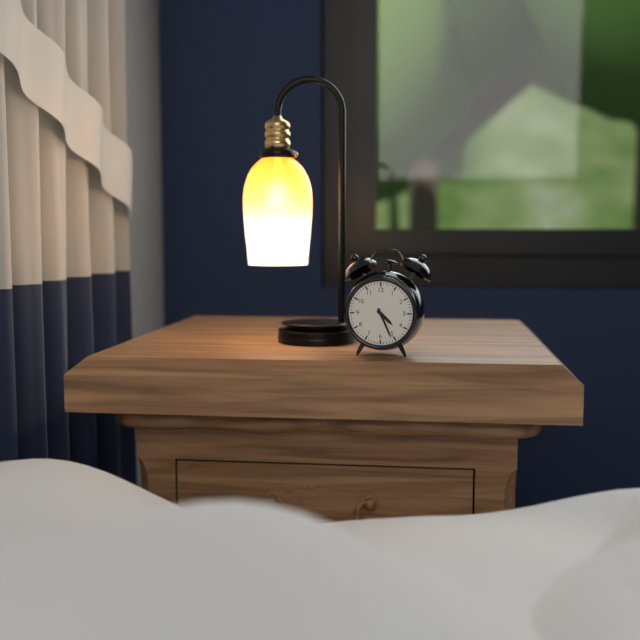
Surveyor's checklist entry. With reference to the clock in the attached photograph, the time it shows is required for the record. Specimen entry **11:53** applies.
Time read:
**4:26**
